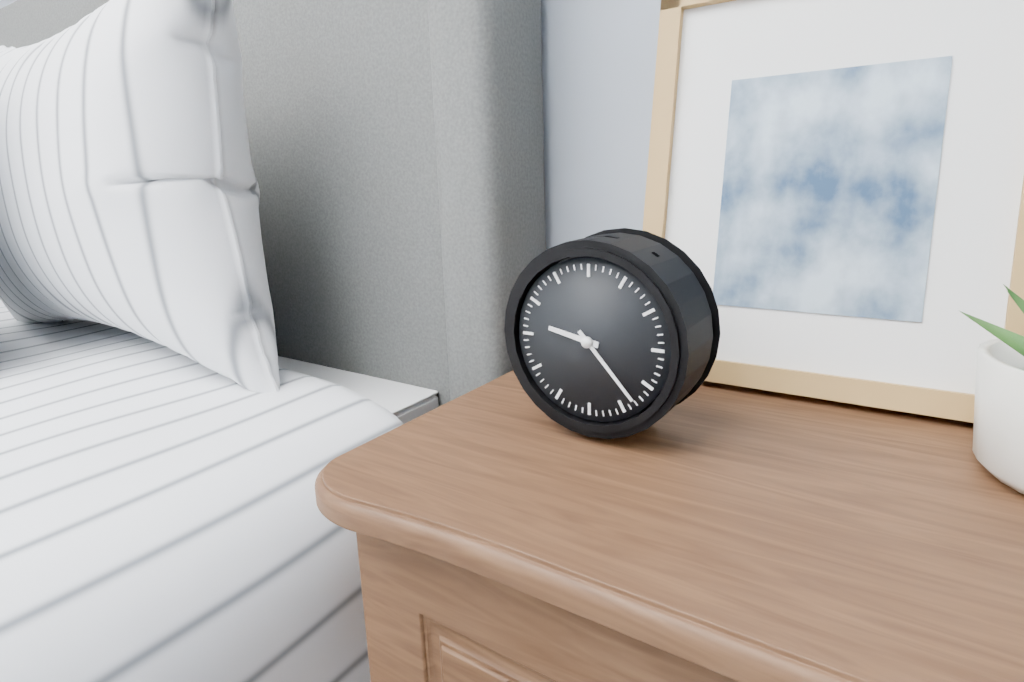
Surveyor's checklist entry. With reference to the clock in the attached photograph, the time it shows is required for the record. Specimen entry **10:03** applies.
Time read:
**9:23**
